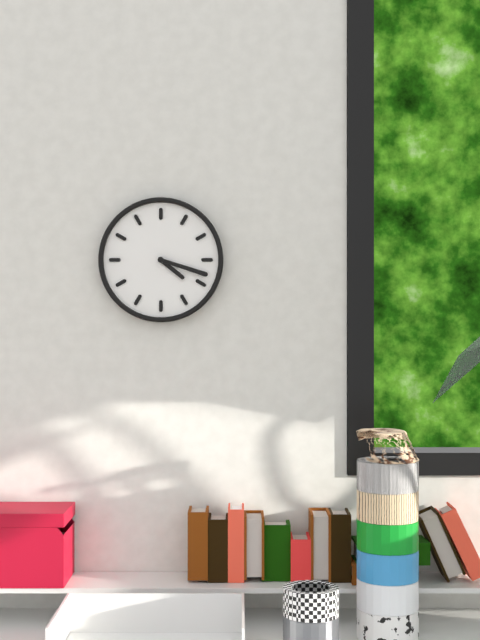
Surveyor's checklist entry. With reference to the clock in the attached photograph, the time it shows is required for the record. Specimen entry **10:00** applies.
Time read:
**4:18**
